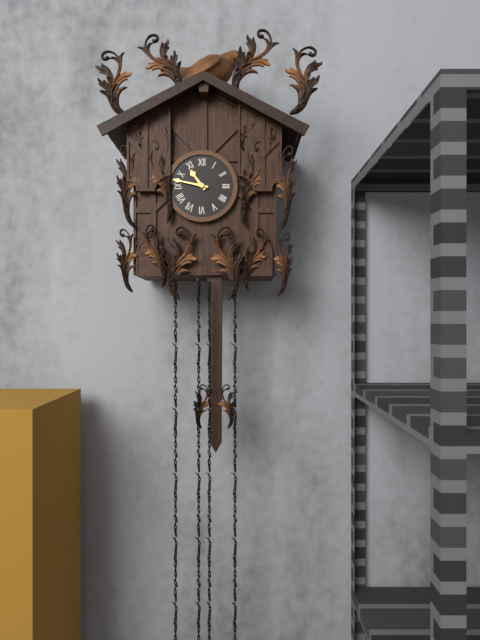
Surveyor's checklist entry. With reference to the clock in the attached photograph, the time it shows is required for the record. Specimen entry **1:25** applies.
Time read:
**10:47**
